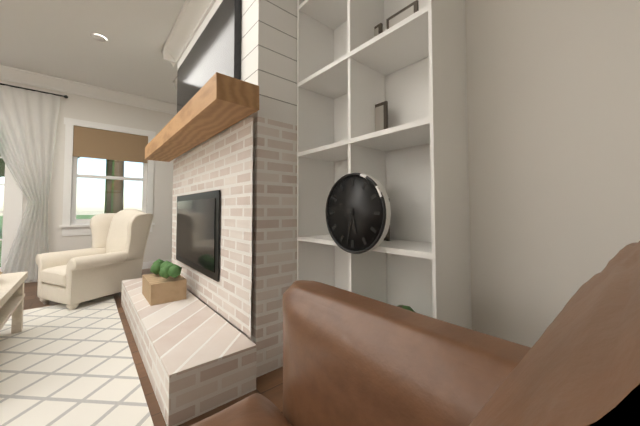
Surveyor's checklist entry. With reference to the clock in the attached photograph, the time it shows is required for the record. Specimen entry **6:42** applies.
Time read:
**5:32**
